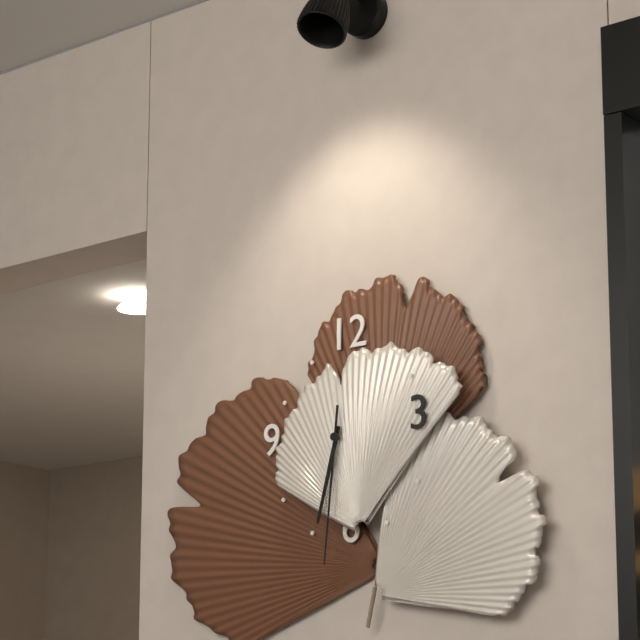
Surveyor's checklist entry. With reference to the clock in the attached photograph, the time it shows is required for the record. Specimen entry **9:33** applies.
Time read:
**6:31**
